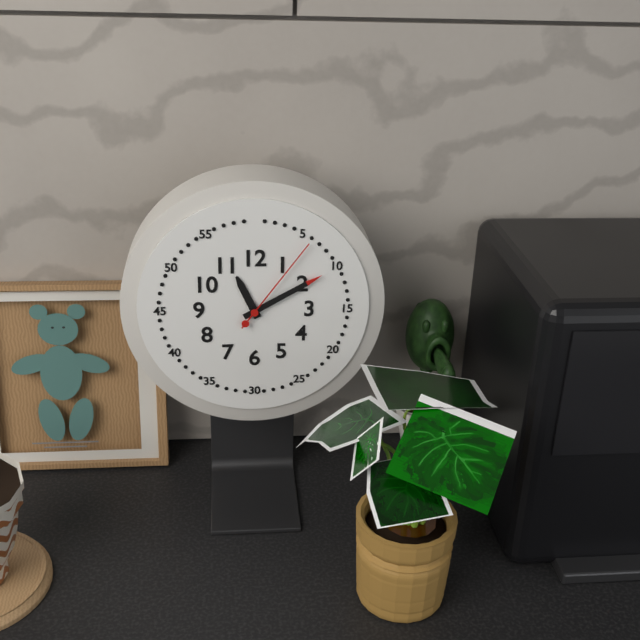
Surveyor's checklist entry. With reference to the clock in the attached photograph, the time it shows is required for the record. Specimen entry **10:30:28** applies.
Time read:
**11:10:06**
